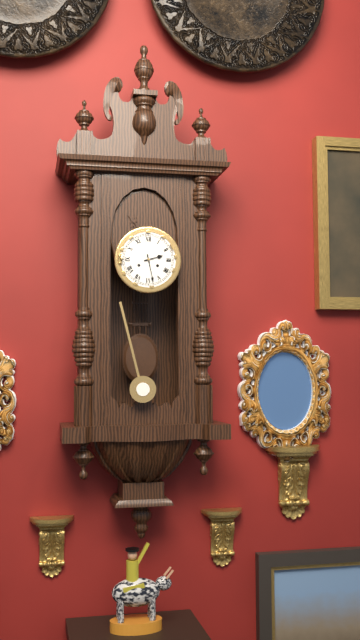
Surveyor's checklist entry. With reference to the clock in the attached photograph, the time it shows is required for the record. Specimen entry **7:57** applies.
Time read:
**2:28**
